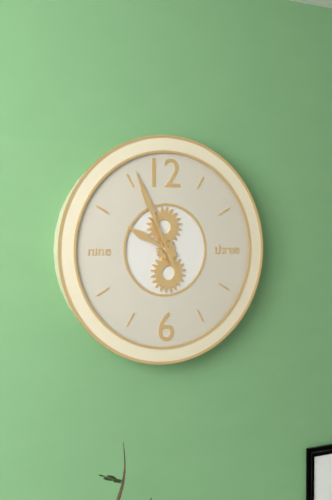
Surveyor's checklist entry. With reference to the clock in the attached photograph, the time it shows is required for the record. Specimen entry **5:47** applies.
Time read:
**9:56**
